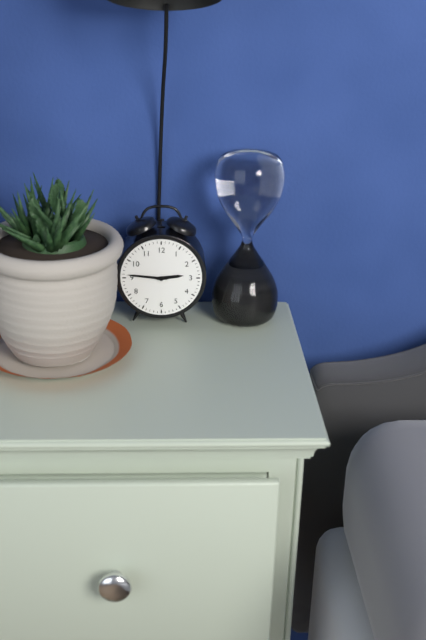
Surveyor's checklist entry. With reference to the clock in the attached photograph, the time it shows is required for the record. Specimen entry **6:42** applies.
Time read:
**2:46**
